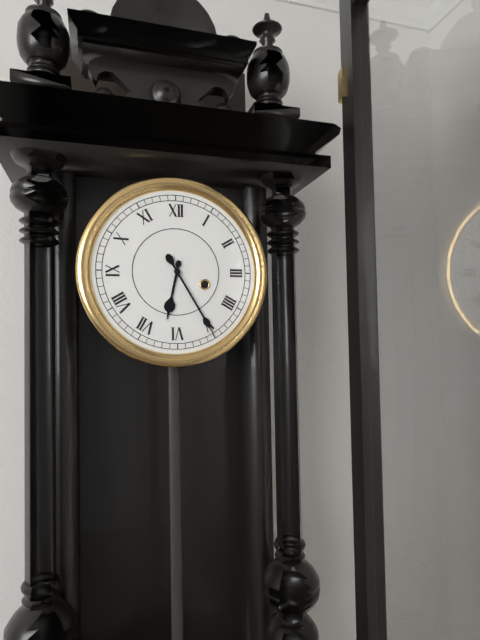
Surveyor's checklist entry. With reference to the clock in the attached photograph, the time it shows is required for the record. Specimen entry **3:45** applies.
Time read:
**6:25**
